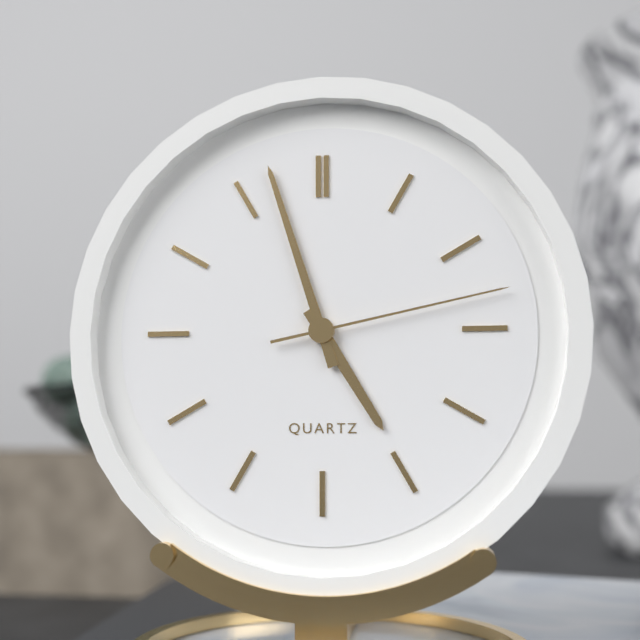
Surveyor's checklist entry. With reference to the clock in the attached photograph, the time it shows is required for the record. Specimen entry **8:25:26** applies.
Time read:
**4:57:13**
